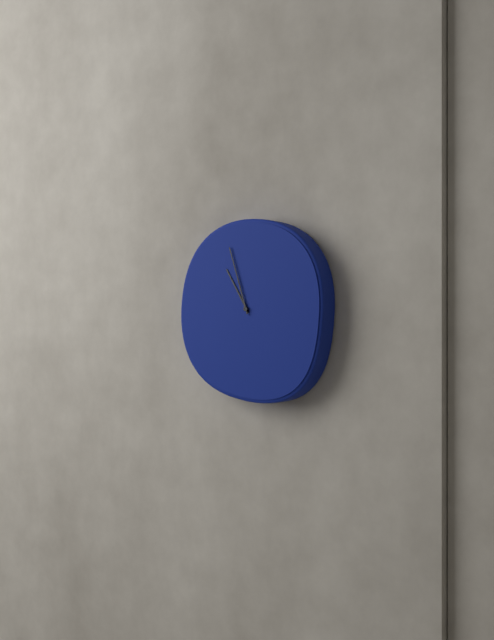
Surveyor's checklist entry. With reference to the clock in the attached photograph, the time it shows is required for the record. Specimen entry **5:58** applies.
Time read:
**10:57**
